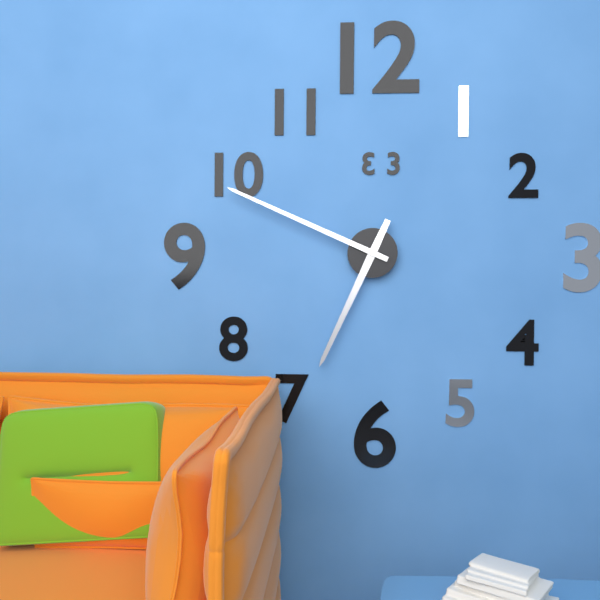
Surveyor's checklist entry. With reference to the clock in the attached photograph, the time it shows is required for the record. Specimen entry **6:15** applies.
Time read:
**6:49**
